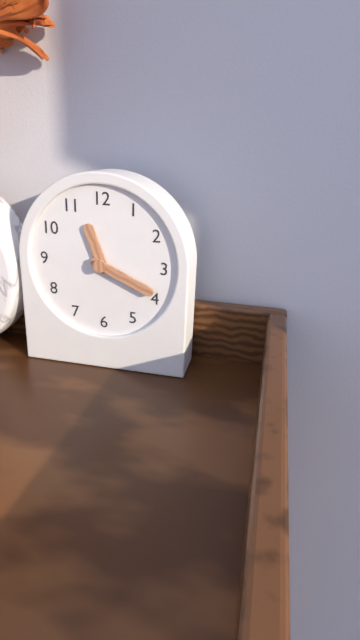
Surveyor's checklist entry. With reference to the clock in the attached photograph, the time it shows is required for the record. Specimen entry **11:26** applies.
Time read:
**11:19**
